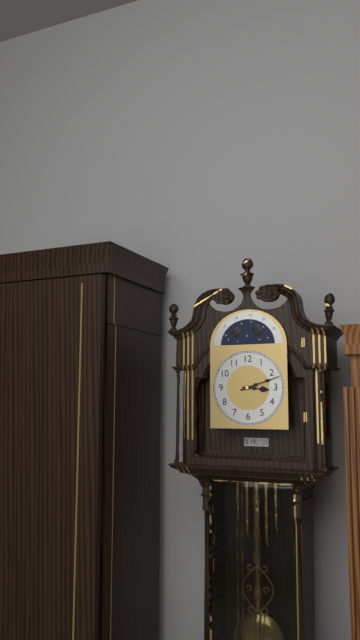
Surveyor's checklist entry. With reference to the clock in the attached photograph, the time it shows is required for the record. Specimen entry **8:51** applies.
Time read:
**3:12**
